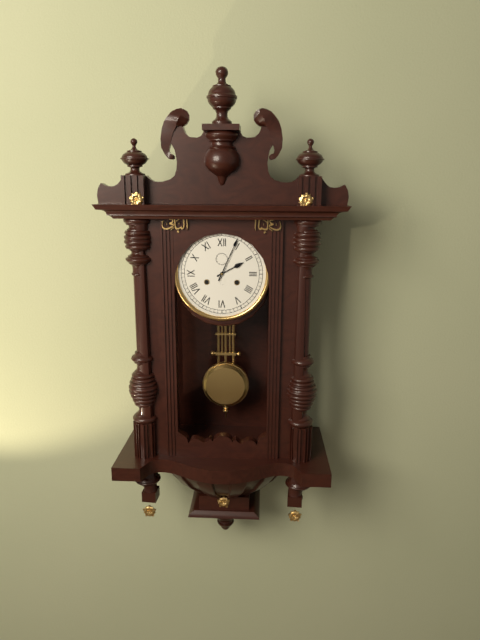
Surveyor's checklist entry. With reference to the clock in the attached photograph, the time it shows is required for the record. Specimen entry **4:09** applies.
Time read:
**2:04**
